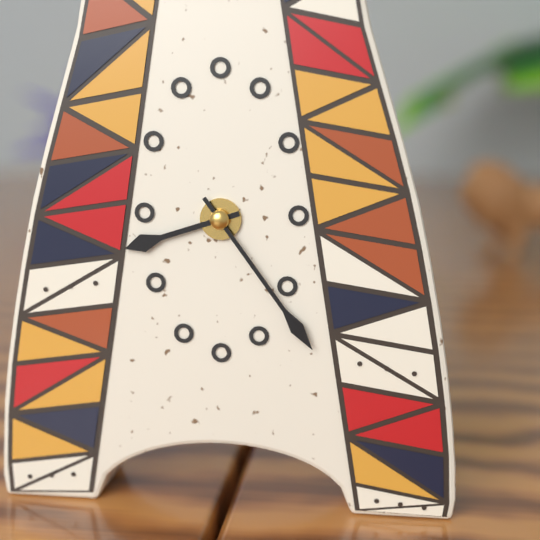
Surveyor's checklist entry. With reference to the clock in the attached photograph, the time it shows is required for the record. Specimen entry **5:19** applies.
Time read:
**8:24**
